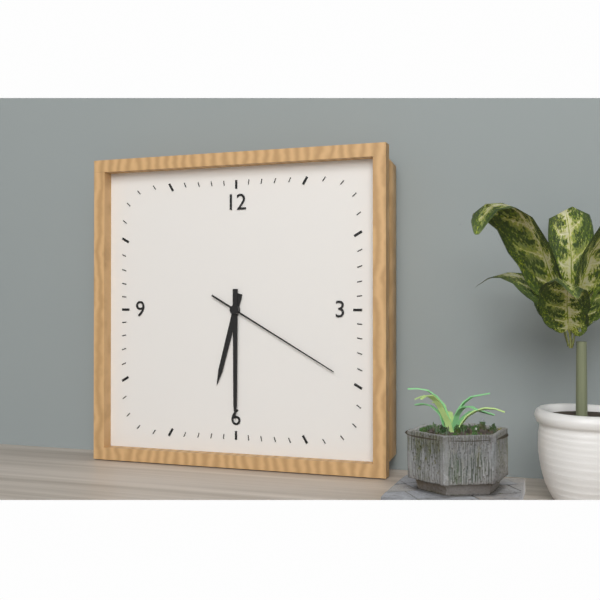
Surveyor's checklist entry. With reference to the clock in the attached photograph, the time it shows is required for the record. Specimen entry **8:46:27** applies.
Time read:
**6:30:20**
